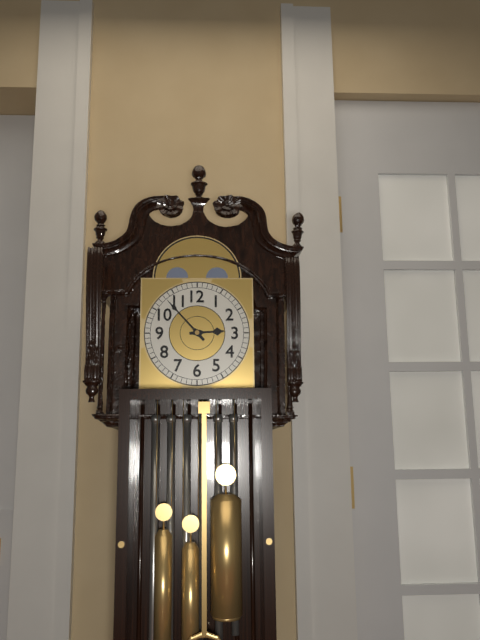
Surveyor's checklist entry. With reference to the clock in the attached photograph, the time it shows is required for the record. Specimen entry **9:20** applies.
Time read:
**2:53**
